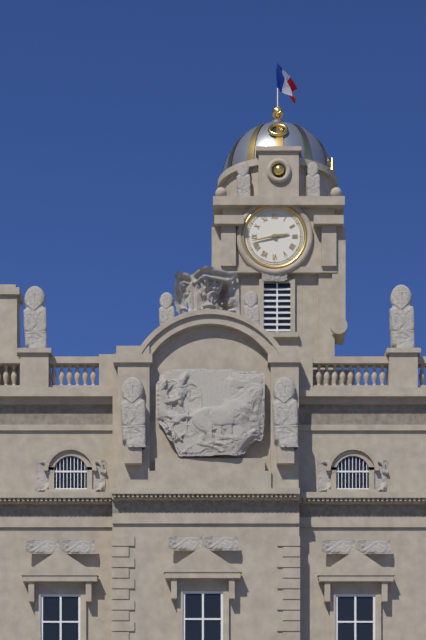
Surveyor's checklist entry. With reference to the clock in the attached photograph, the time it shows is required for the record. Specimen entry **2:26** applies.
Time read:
**2:43**
